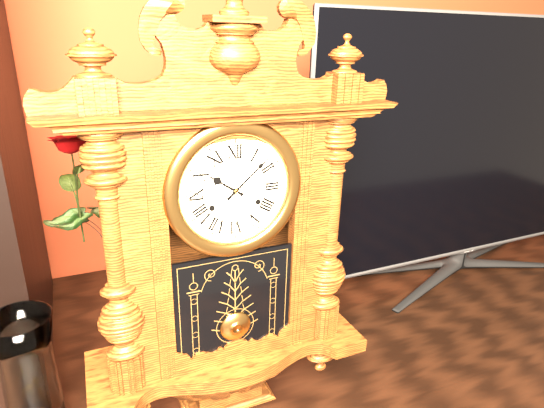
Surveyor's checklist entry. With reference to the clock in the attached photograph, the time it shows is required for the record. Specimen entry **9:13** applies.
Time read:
**10:08**
